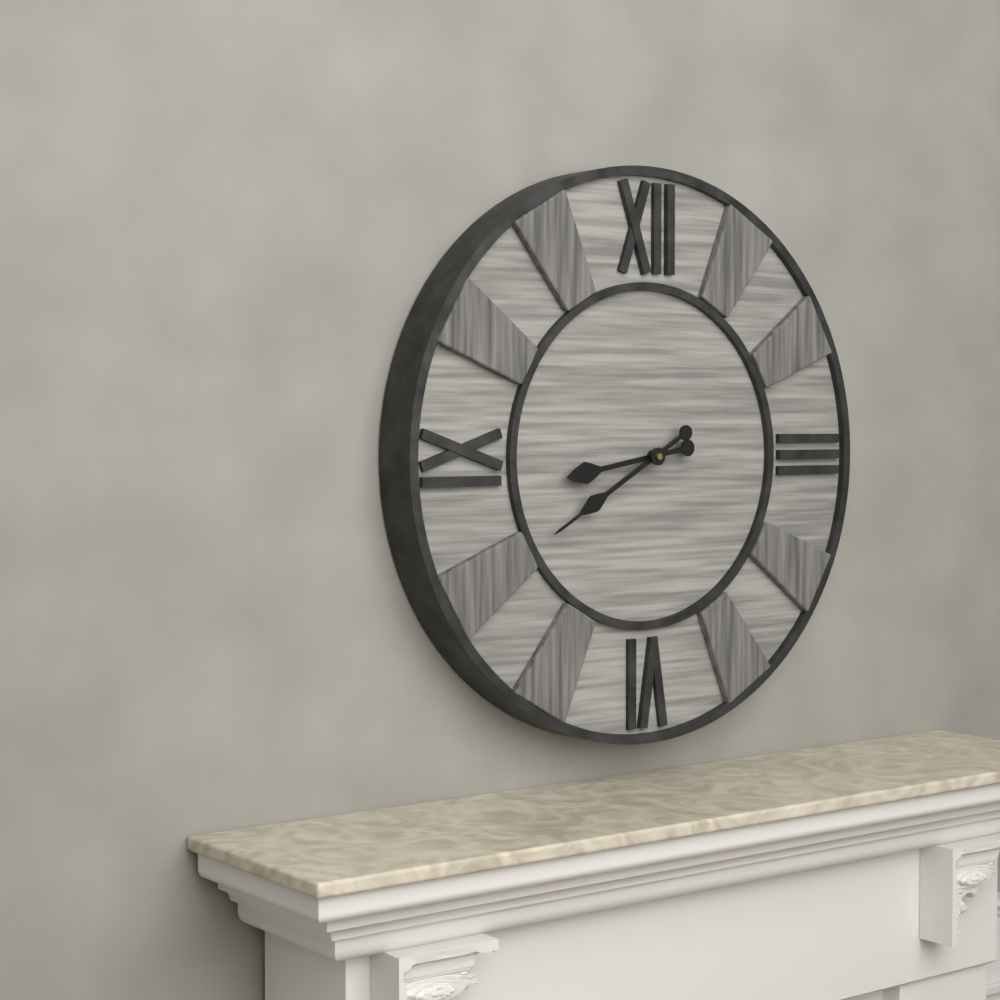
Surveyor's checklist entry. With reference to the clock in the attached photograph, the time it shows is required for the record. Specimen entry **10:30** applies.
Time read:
**8:40**
